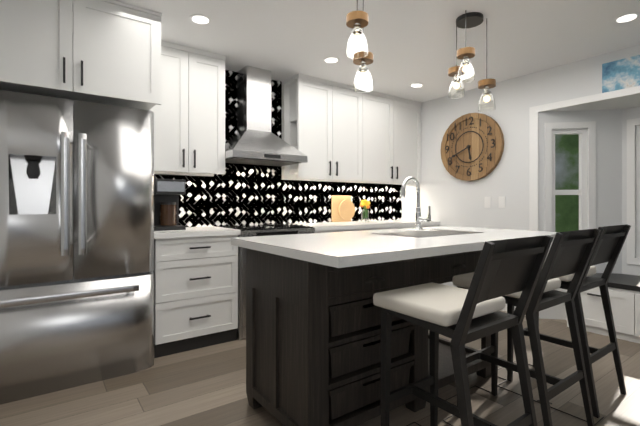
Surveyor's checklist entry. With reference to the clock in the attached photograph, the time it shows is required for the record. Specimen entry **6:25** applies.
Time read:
**5:41**
